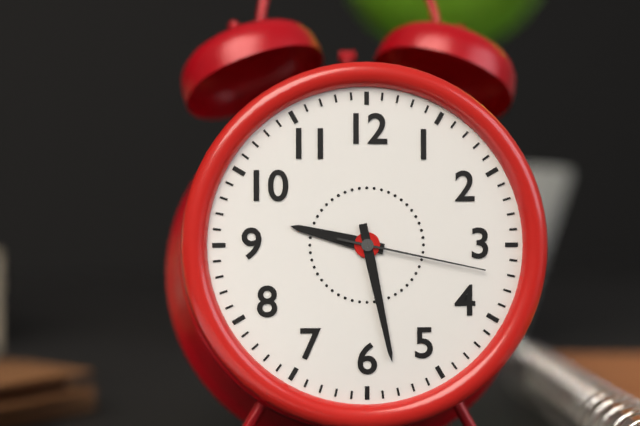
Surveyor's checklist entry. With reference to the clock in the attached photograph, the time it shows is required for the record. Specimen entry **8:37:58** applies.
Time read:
**9:28:17**
